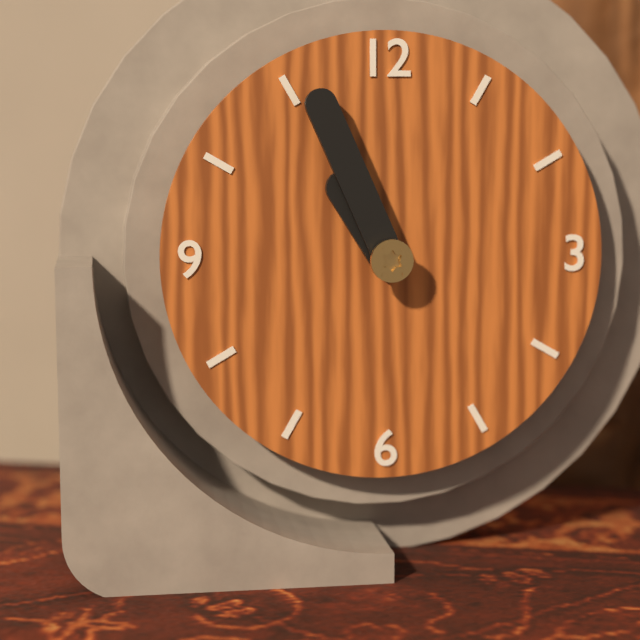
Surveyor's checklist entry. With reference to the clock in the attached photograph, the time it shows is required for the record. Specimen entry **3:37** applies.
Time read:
**10:56**
